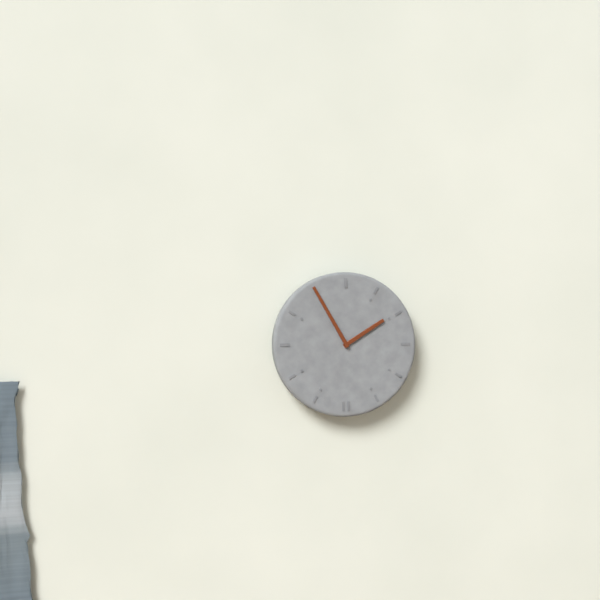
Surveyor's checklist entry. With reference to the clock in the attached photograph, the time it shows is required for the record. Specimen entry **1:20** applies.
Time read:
**1:55**
